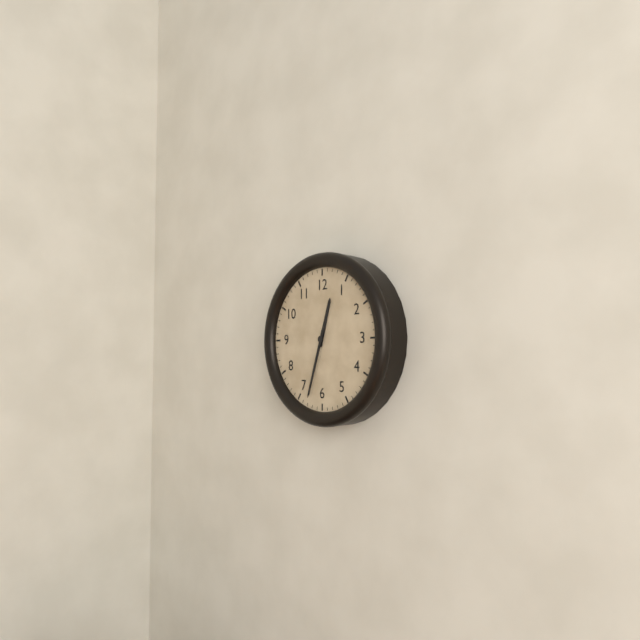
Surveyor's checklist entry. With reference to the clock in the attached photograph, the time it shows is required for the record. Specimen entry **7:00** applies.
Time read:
**12:33**
